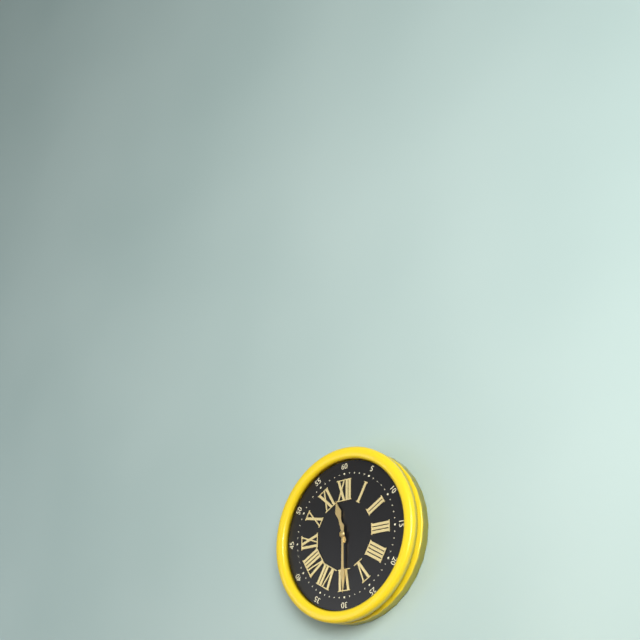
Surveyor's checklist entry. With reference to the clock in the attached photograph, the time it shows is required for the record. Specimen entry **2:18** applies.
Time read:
**11:30**
